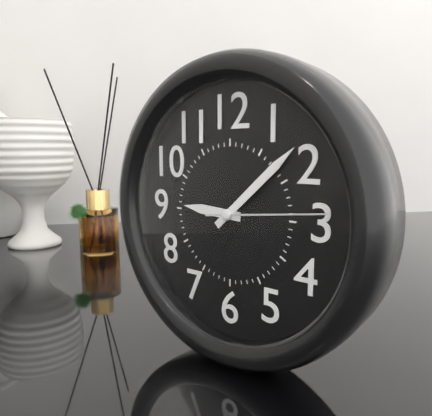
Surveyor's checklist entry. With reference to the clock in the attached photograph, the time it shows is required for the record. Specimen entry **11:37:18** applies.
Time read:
**9:08:14**
